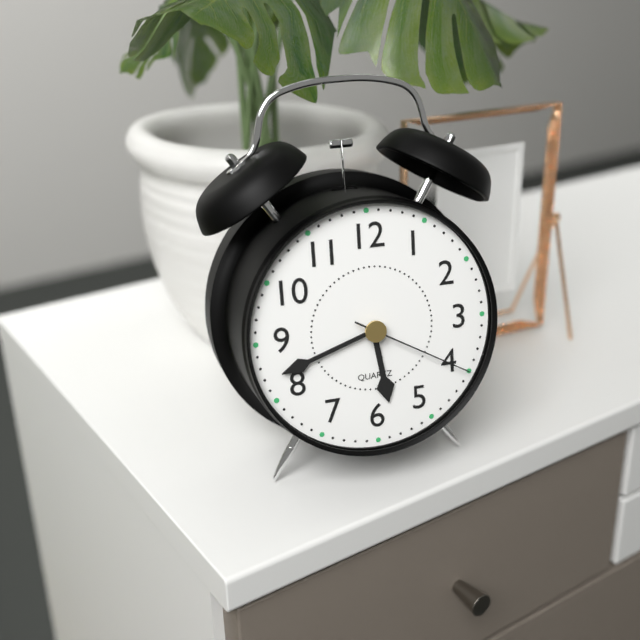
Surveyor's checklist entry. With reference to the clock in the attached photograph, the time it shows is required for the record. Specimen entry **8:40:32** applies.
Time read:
**5:42:20**
